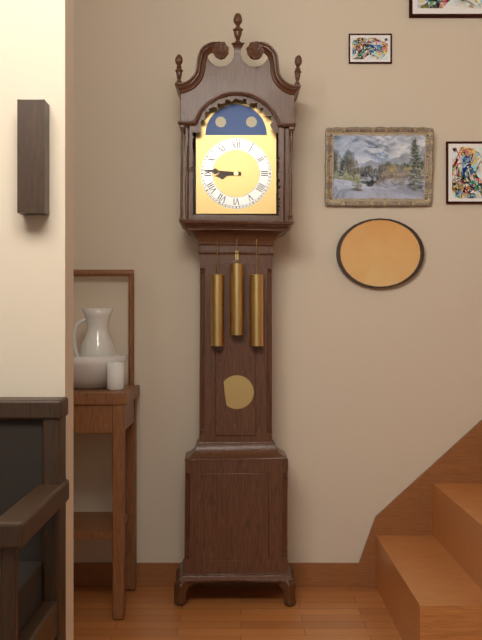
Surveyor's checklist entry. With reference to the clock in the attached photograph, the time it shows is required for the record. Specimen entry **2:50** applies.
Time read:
**8:46**
